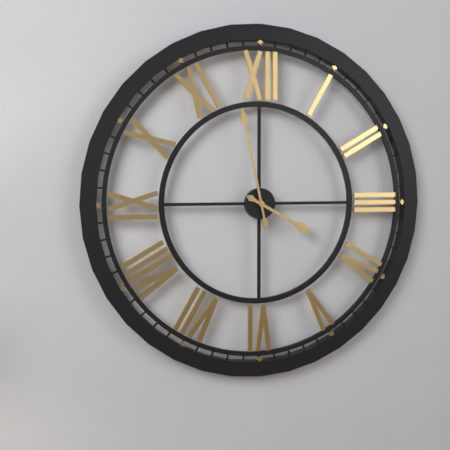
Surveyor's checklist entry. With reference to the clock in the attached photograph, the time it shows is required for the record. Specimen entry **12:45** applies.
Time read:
**3:58**
